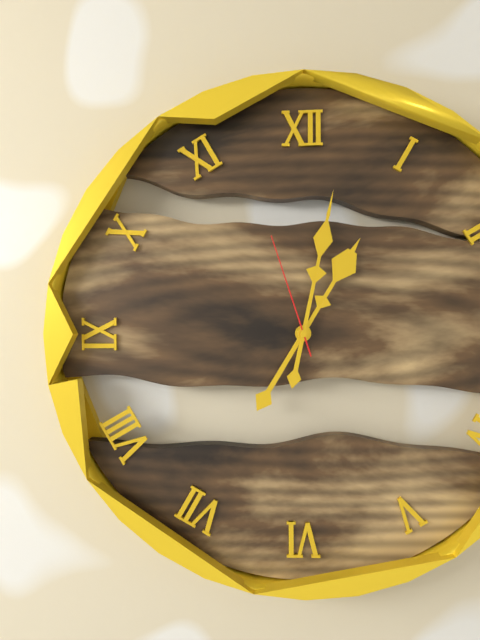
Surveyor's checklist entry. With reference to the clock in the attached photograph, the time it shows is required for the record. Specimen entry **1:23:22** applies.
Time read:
**1:02:57**
